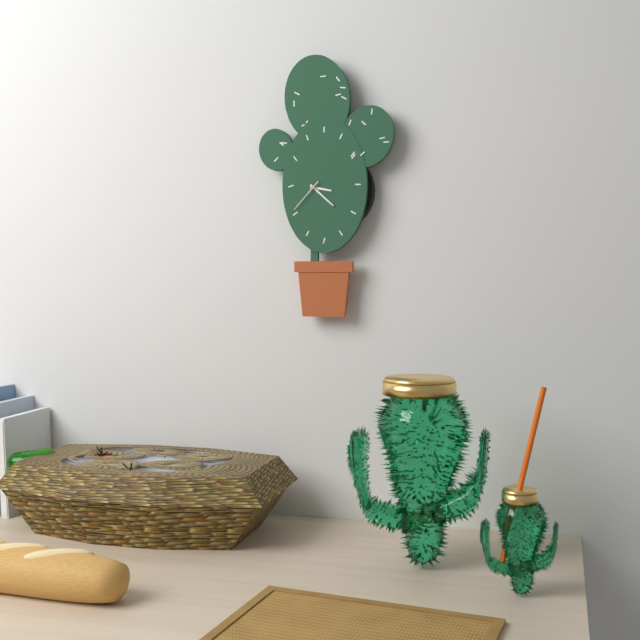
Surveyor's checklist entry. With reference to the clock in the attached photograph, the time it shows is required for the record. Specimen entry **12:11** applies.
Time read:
**3:22**
